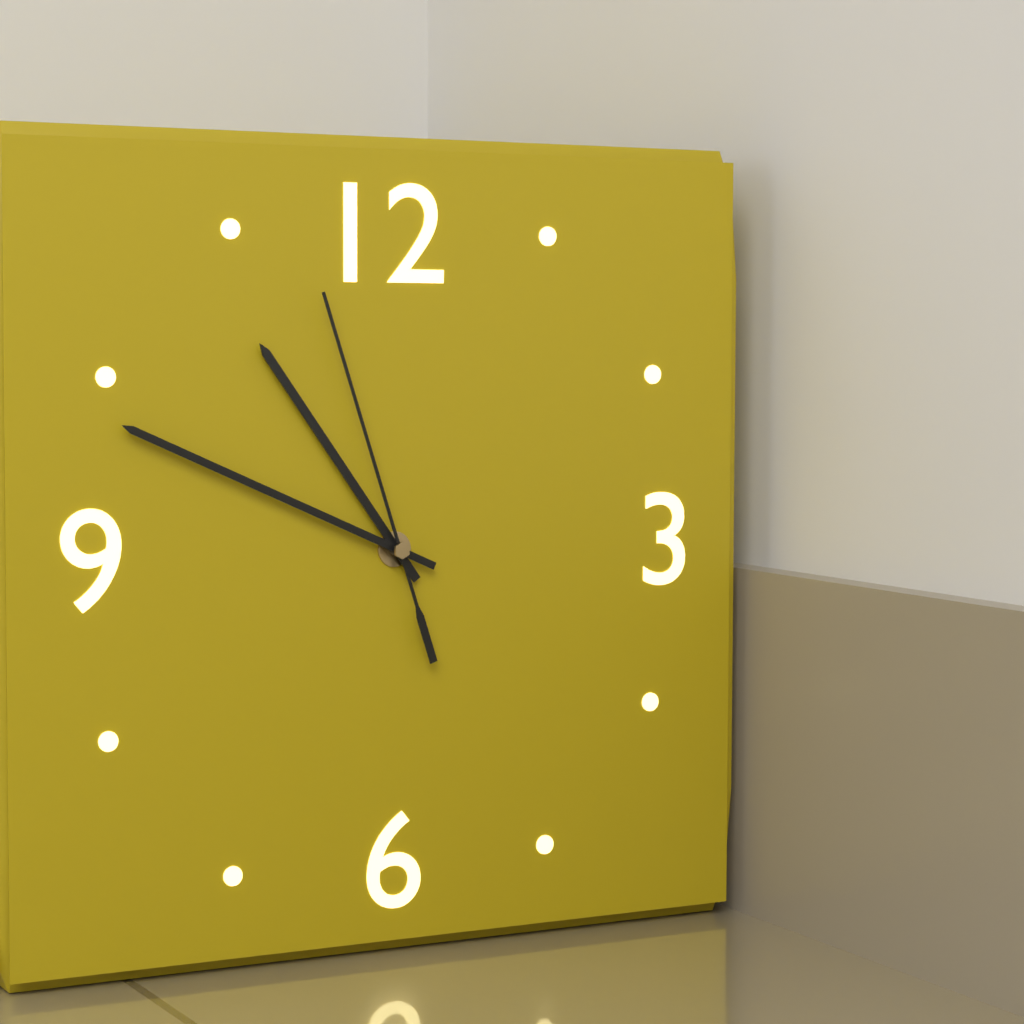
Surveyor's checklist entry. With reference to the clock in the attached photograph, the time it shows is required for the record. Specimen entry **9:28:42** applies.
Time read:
**10:49:57**
